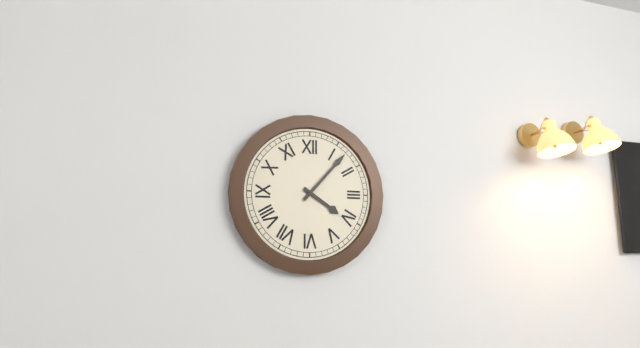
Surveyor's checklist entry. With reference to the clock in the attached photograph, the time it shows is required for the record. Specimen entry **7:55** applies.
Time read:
**4:07**
